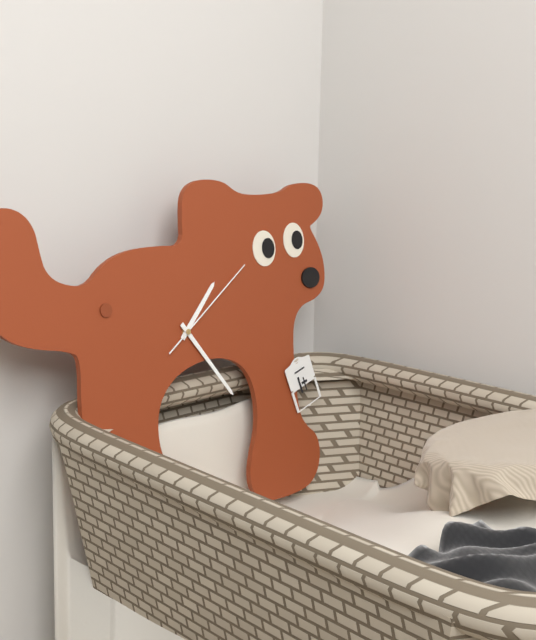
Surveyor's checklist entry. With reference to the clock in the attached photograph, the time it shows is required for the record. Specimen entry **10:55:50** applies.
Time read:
**1:24:09**
